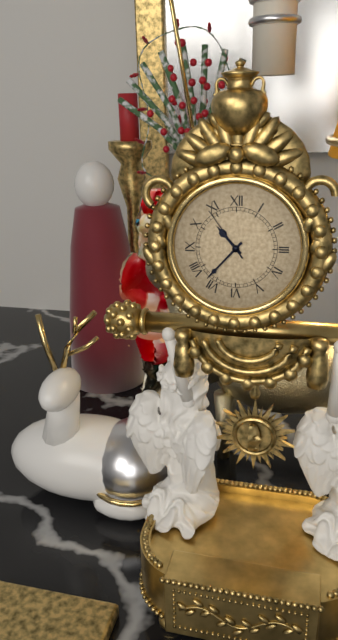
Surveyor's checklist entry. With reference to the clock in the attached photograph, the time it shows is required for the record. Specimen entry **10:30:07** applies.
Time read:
**10:37:54**
